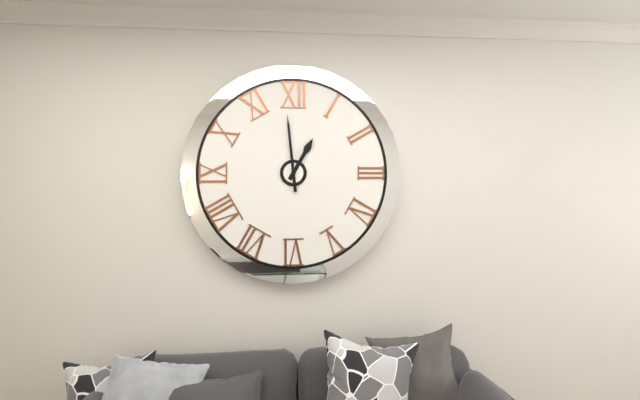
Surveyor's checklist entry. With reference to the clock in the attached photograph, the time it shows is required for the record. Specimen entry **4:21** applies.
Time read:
**12:59**
